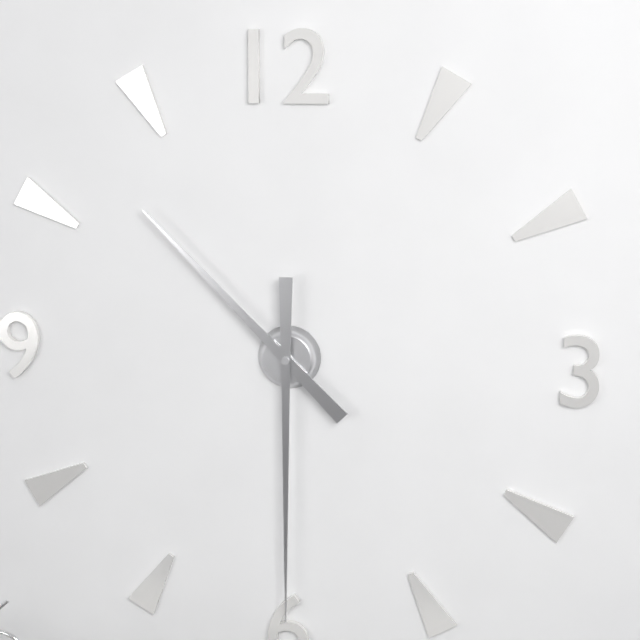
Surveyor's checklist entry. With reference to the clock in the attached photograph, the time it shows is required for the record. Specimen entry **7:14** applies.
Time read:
**10:30**
